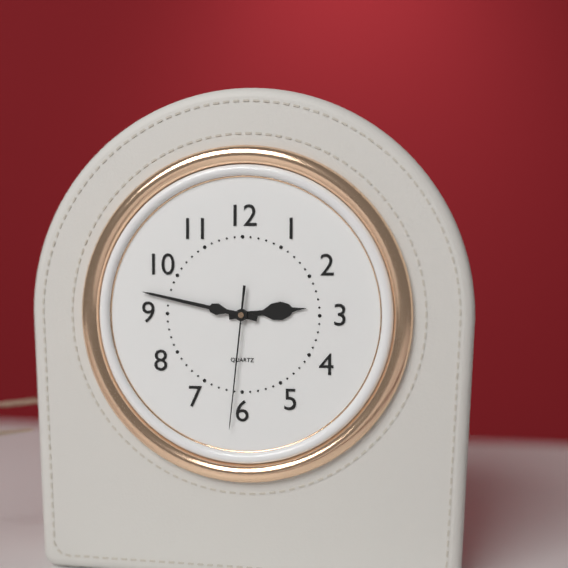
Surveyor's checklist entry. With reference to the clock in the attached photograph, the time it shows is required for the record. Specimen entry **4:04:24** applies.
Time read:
**2:47:31**
